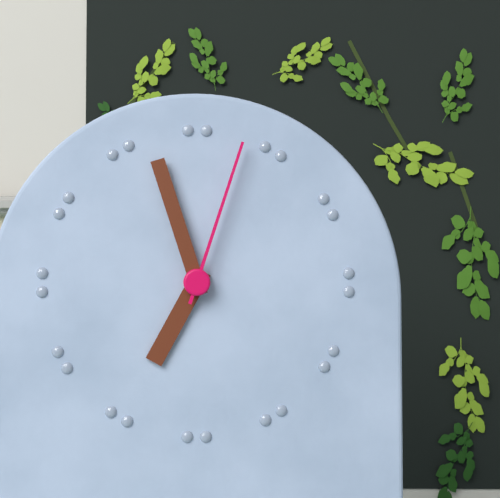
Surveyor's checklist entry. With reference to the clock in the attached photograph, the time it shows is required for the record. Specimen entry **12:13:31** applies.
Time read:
**6:57:03**
